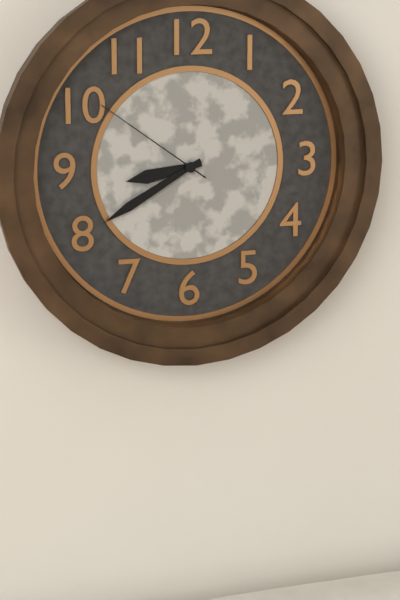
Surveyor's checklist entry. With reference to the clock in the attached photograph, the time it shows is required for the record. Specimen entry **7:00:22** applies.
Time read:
**8:40:51**
